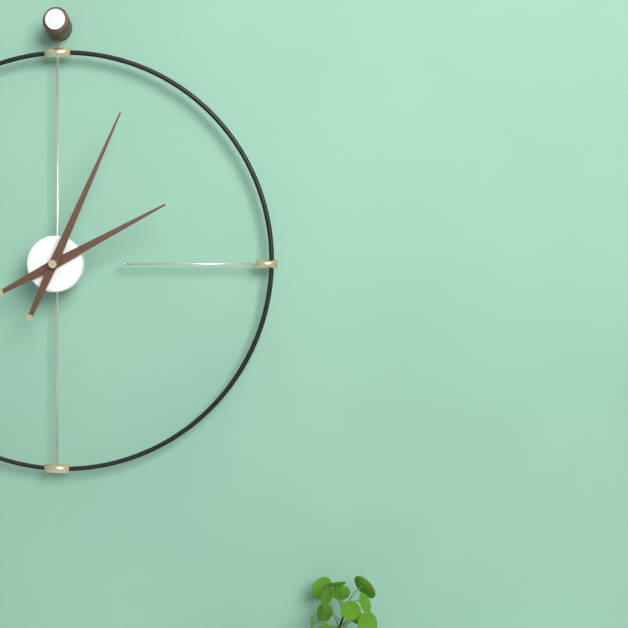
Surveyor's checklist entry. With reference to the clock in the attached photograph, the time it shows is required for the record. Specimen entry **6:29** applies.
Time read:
**2:04**
